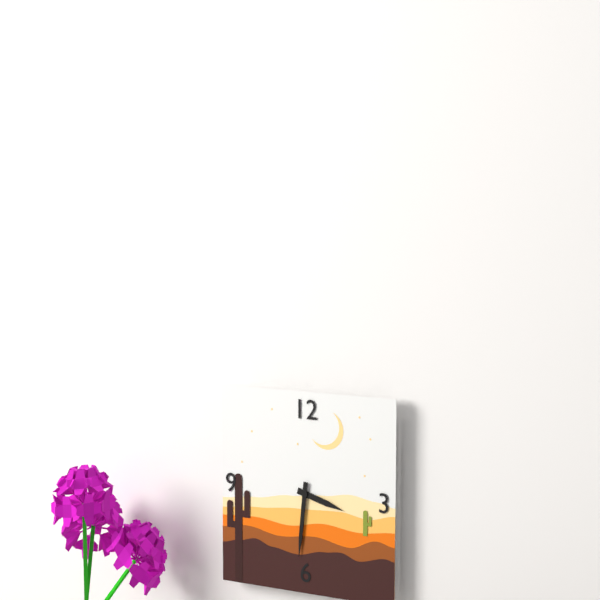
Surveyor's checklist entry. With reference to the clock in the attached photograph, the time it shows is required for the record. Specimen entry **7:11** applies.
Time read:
**3:31**
